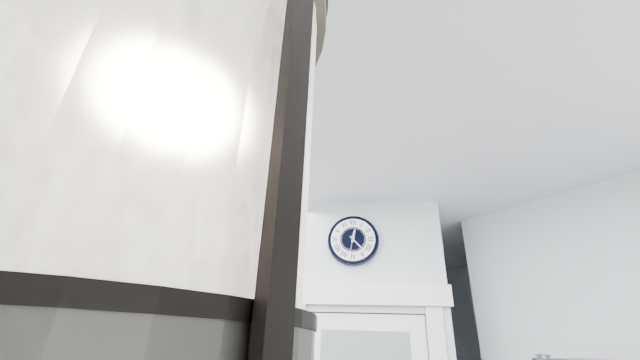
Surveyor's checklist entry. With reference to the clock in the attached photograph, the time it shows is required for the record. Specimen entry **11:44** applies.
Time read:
**12:23**
